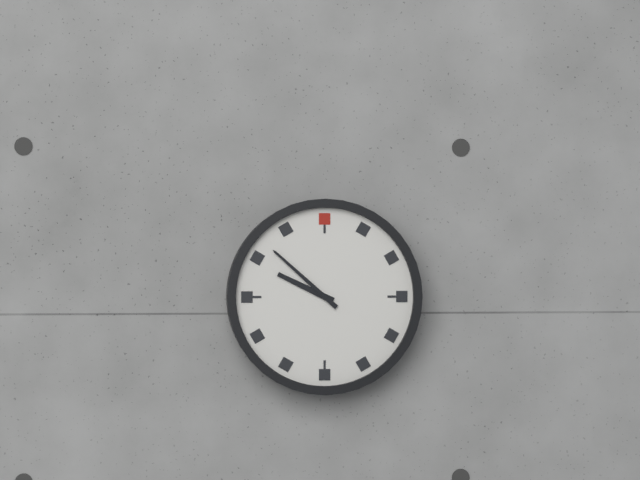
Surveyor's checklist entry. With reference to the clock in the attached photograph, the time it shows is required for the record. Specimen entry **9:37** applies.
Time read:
**9:52**
